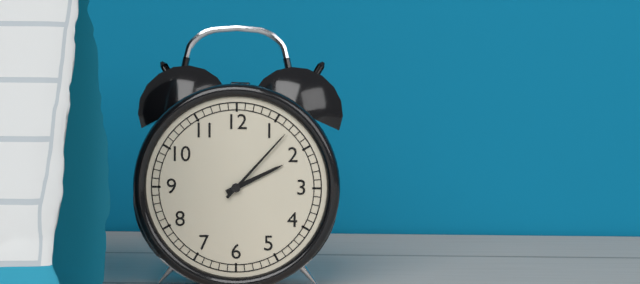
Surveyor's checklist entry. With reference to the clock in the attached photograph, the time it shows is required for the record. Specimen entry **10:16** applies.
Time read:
**2:07**
